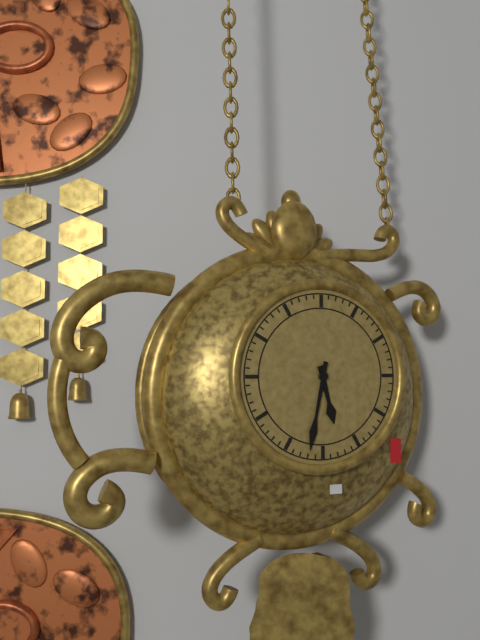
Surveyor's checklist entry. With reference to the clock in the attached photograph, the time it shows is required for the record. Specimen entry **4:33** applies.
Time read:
**5:32**
